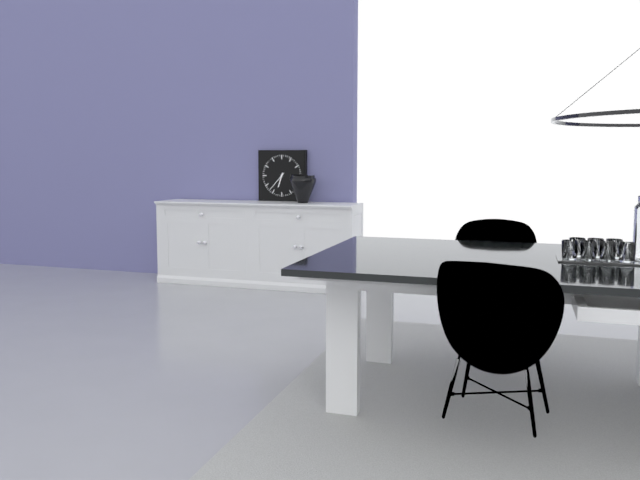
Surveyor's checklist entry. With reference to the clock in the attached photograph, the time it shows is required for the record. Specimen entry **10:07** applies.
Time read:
**6:37**
